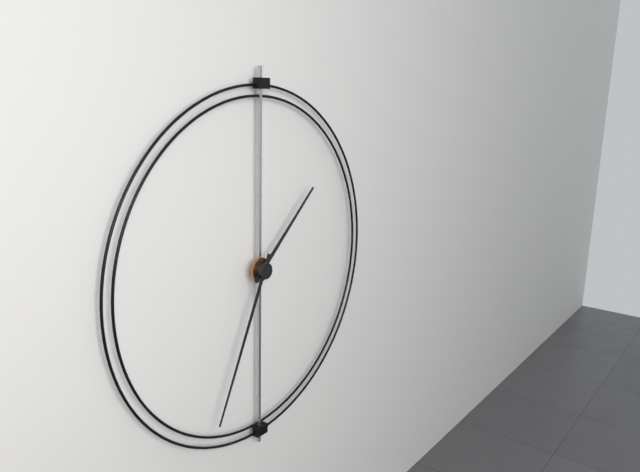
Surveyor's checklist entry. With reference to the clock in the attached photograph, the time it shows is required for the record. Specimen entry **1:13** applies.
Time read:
**1:34**
